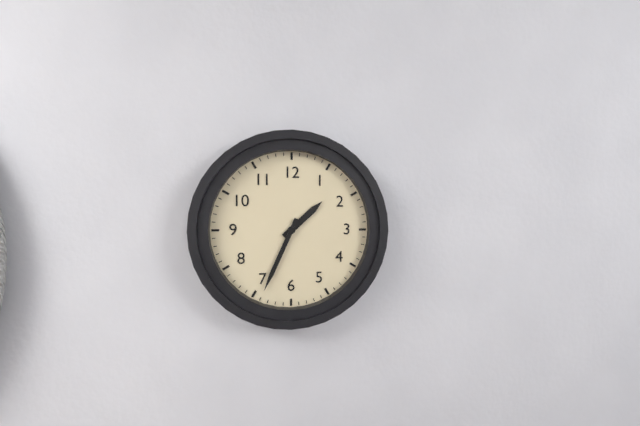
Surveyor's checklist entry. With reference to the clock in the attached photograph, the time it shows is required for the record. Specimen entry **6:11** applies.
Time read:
**1:34**
